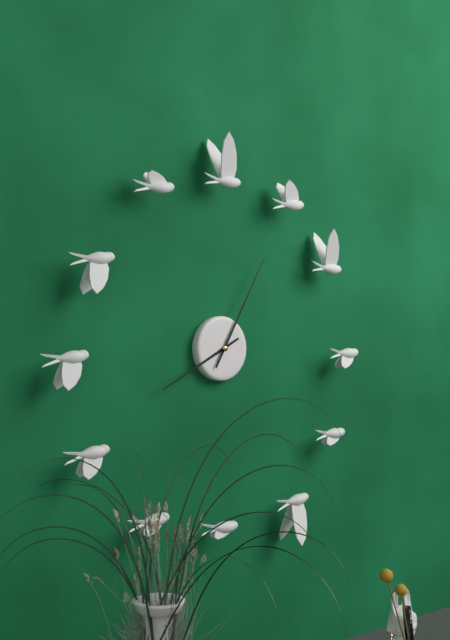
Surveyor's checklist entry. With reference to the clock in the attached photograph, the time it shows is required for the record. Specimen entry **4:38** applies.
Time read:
**8:05**
